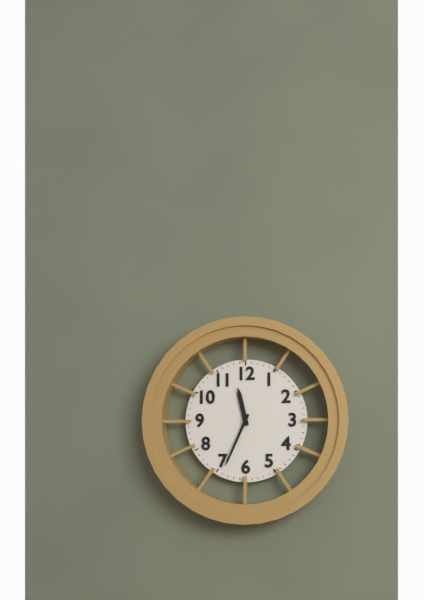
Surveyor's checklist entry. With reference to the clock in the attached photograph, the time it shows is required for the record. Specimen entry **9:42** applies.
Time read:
**11:34**
